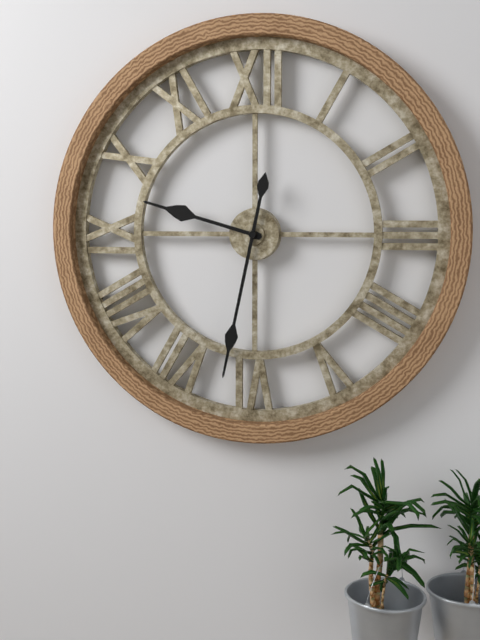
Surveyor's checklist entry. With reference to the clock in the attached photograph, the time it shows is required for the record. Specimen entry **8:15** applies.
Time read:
**9:32**
